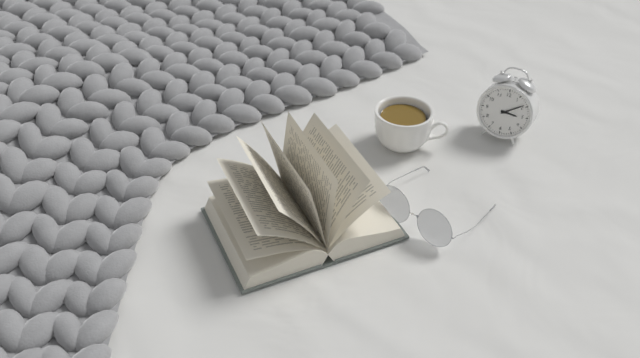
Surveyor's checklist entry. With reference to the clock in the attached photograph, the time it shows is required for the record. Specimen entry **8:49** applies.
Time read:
**3:09**
